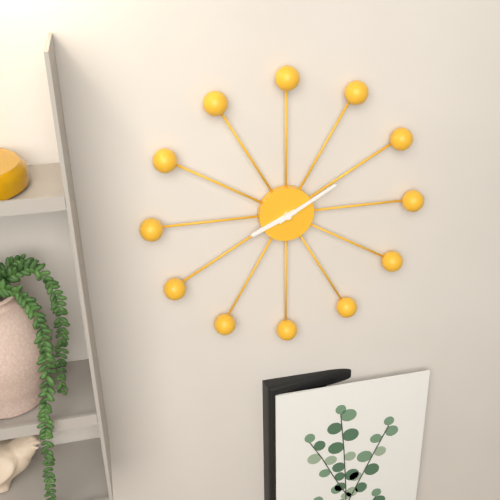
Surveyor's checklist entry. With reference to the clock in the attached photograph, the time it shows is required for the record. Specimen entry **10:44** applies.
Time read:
**8:10**
